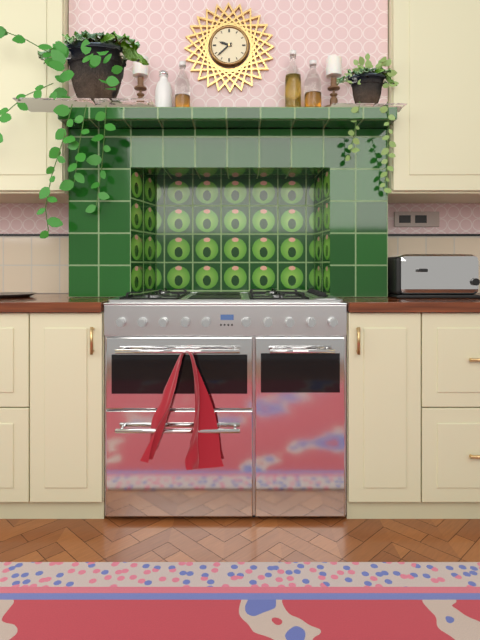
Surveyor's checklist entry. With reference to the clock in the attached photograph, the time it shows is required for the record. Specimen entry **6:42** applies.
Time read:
**9:38**
